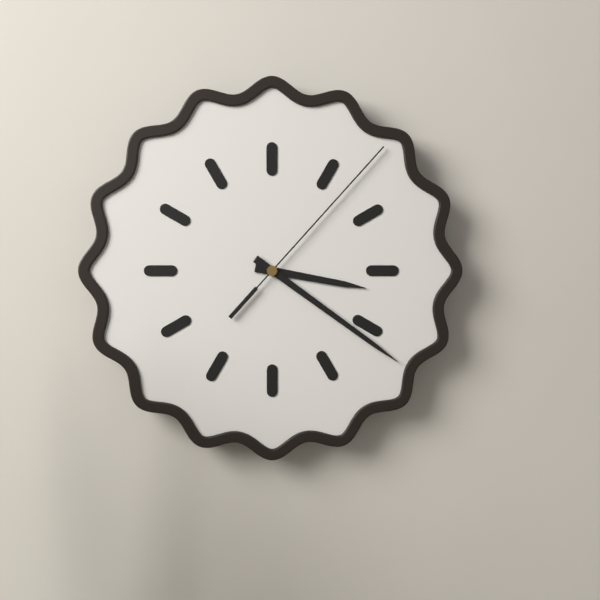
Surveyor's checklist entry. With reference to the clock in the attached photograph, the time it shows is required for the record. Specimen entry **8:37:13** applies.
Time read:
**3:21:07**
